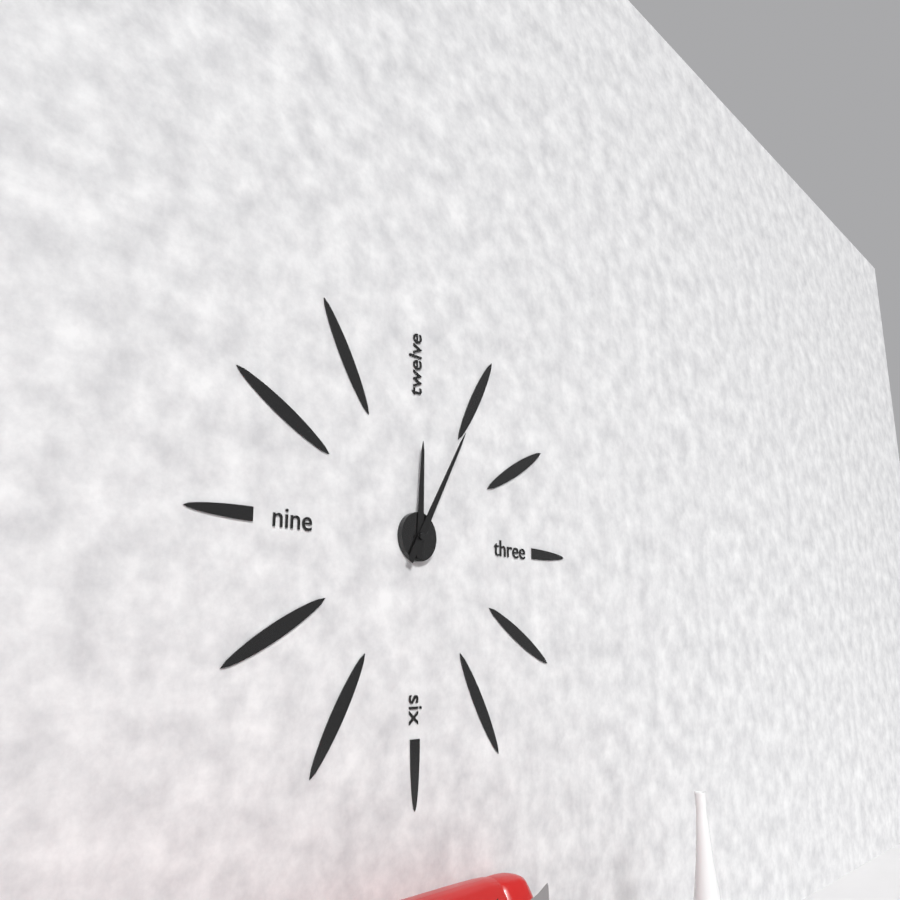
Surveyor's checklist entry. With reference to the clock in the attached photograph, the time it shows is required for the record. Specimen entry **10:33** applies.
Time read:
**12:05**
